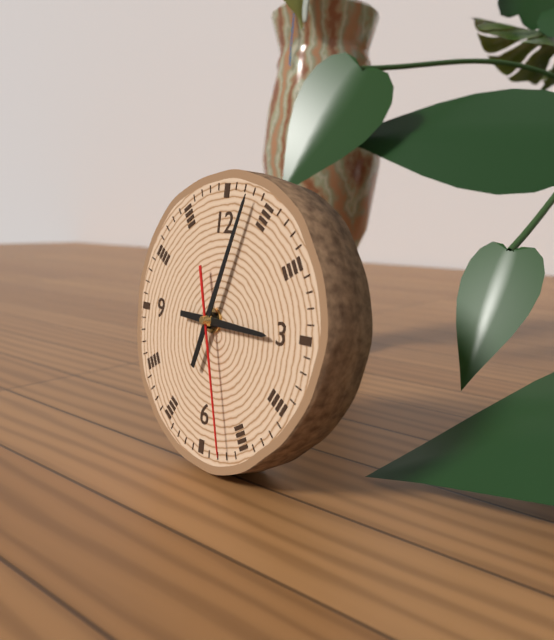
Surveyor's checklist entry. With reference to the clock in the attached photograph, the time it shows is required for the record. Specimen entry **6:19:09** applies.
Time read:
**3:03:27**
